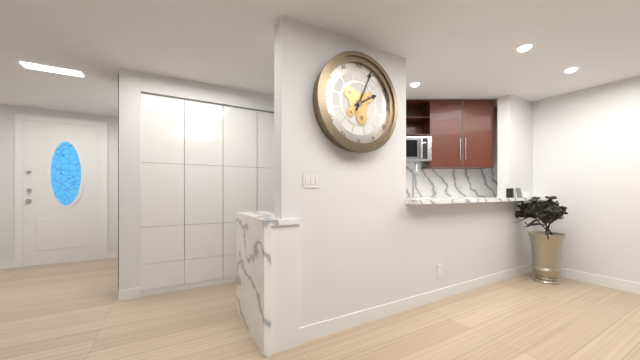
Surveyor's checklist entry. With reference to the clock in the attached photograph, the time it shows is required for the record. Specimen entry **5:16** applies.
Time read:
**2:04**
